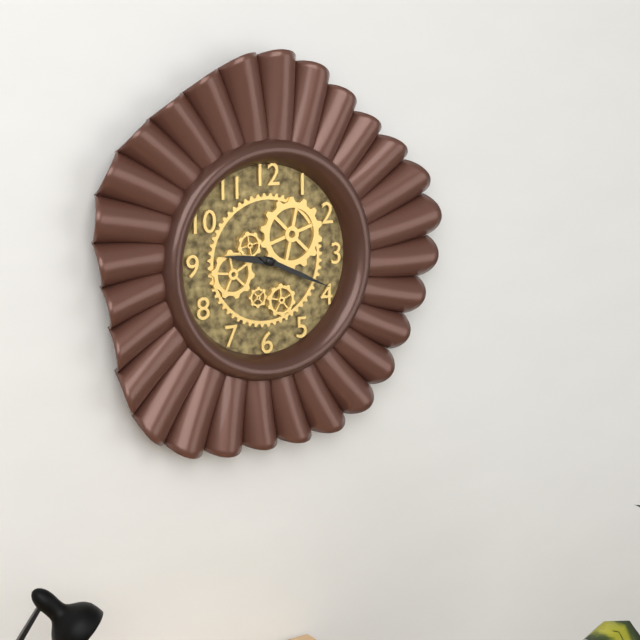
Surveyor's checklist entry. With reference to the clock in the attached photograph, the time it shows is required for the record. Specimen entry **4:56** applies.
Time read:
**9:19**
